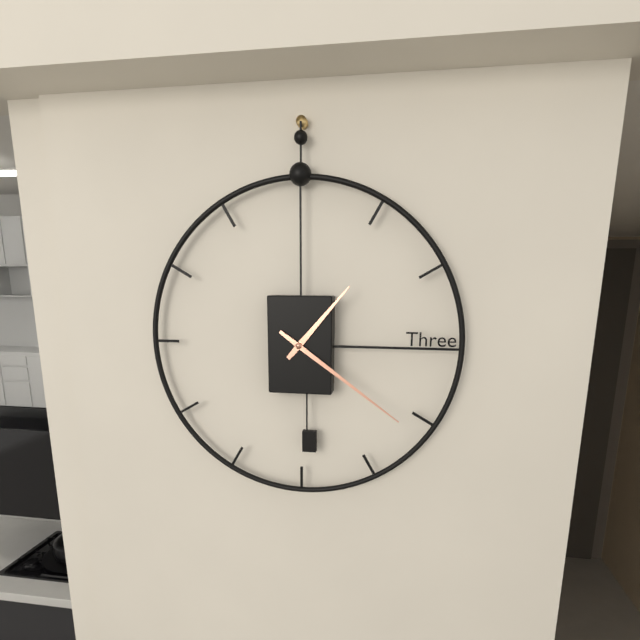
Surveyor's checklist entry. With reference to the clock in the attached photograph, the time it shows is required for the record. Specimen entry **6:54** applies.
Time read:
**1:21**
